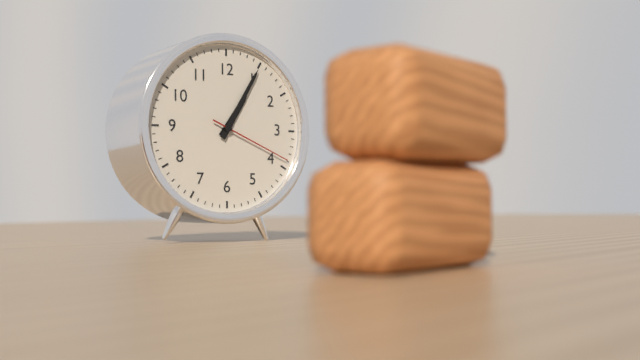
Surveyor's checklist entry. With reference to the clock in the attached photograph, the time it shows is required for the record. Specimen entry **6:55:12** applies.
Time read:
**1:05:19**
